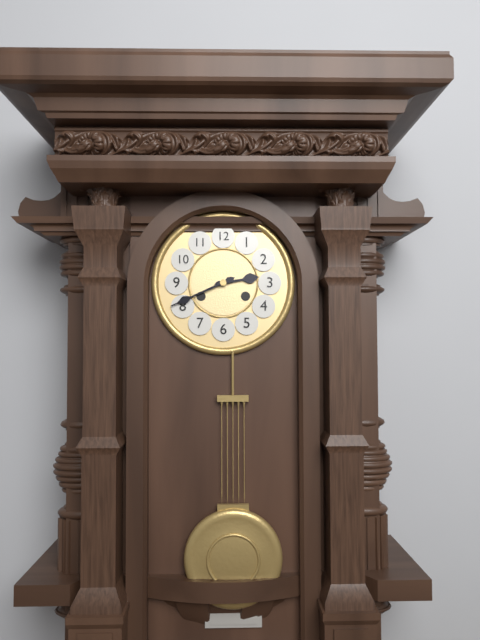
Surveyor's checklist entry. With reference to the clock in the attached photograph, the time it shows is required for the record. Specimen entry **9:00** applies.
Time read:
**2:41**
